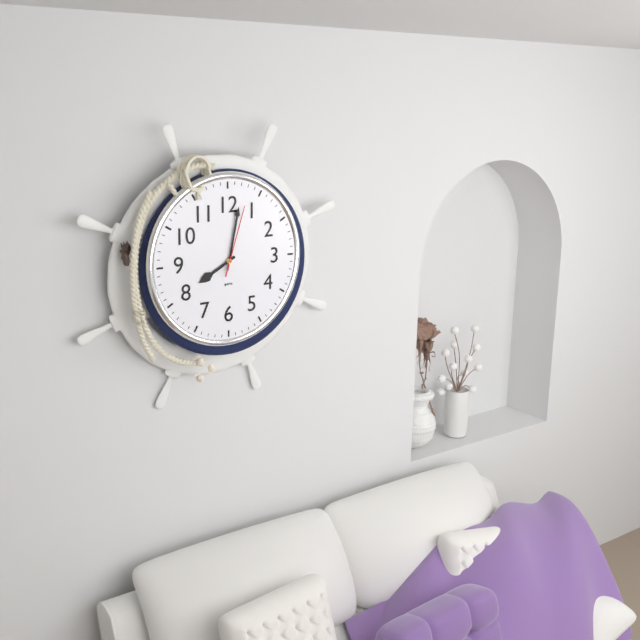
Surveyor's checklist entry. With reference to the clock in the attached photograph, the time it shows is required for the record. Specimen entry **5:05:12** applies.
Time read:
**8:02:03**
